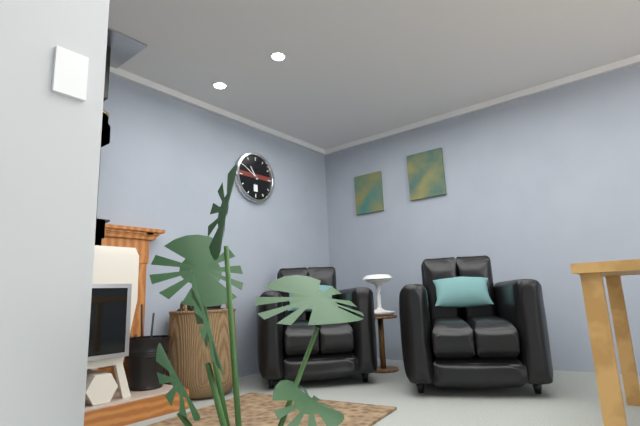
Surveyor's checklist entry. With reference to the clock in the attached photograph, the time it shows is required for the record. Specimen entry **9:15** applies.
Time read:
**10:50**
